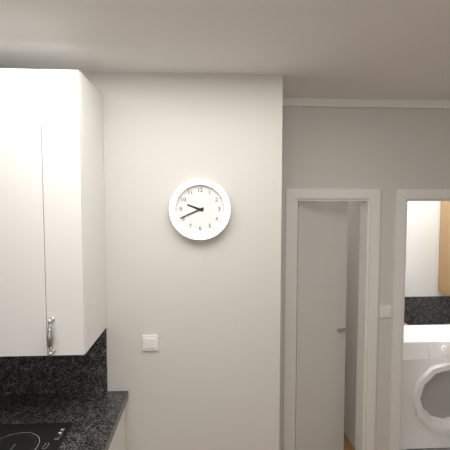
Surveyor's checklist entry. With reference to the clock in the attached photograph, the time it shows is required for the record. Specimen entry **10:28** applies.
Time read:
**9:41**
